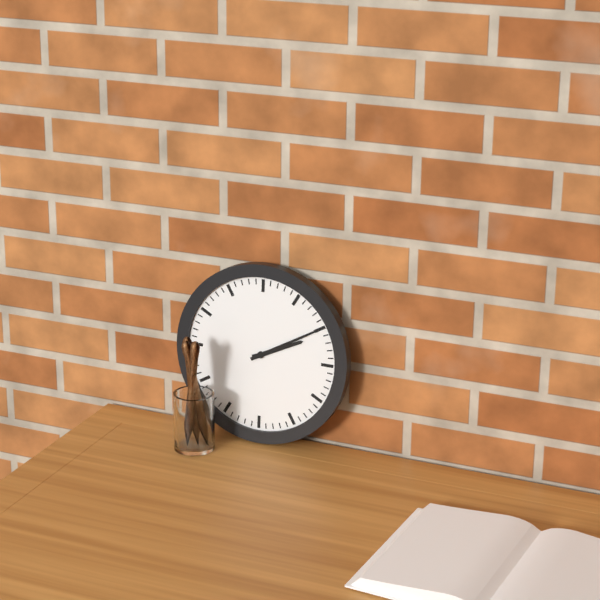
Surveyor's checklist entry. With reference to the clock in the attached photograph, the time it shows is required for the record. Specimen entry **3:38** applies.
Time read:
**2:10**
